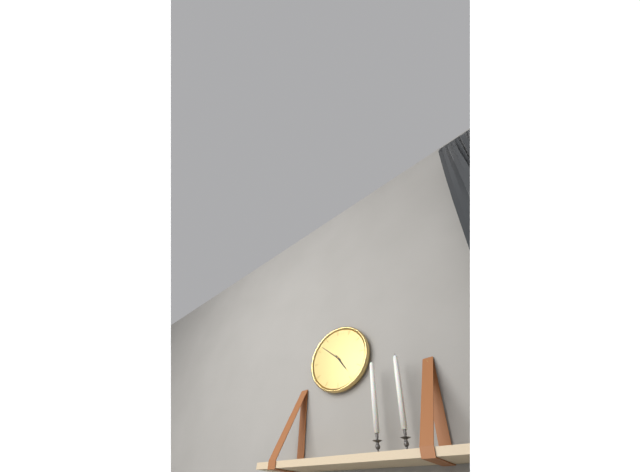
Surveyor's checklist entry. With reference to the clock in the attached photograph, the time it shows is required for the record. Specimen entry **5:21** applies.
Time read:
**4:52**
